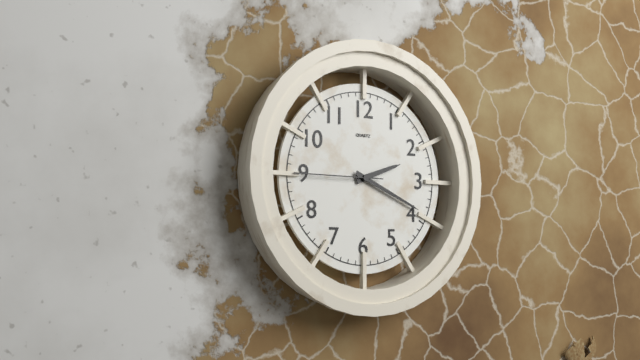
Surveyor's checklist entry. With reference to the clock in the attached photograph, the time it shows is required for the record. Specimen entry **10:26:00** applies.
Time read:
**2:19:45**
